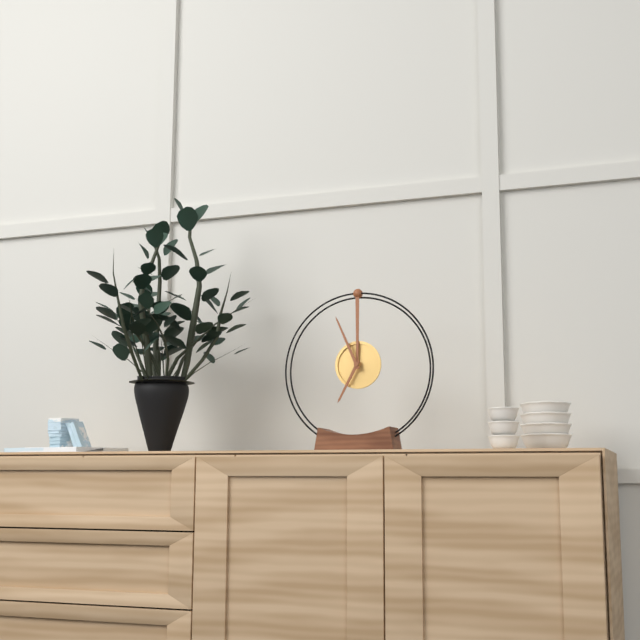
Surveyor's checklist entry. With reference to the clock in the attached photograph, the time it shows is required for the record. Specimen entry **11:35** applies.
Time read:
**6:56**
